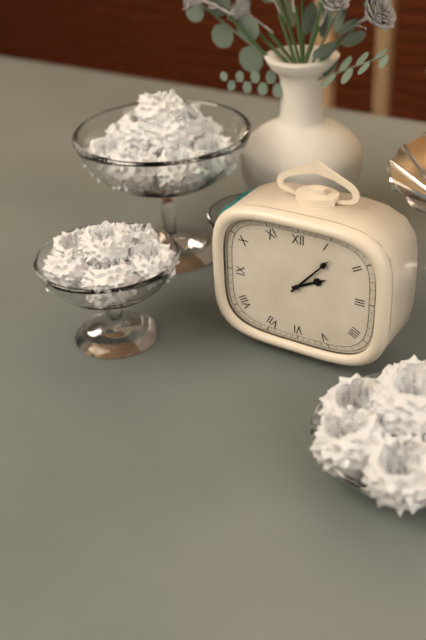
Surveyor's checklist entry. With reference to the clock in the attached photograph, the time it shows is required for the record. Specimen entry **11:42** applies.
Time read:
**2:07**
